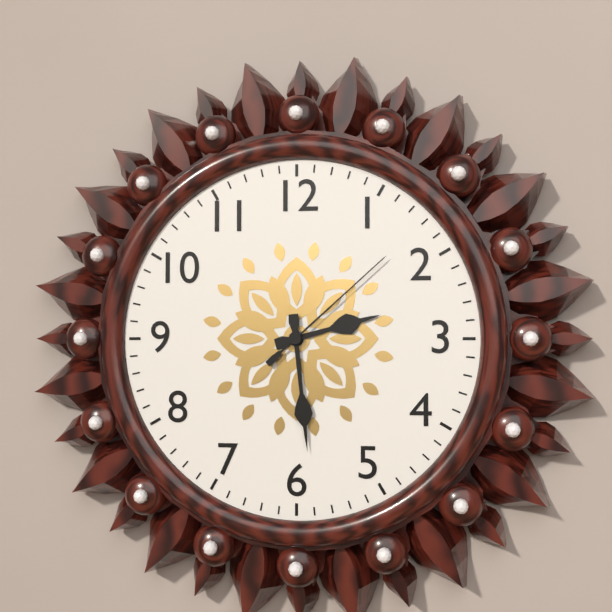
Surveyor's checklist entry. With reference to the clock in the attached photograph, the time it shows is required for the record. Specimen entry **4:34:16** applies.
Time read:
**2:29:08**
